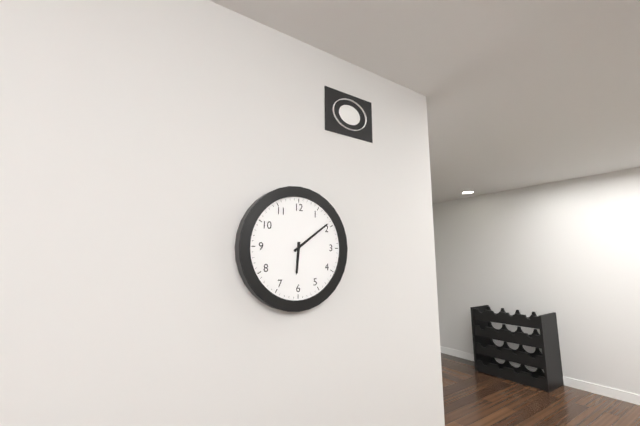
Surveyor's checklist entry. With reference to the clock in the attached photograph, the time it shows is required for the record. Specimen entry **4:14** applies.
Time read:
**6:09**
